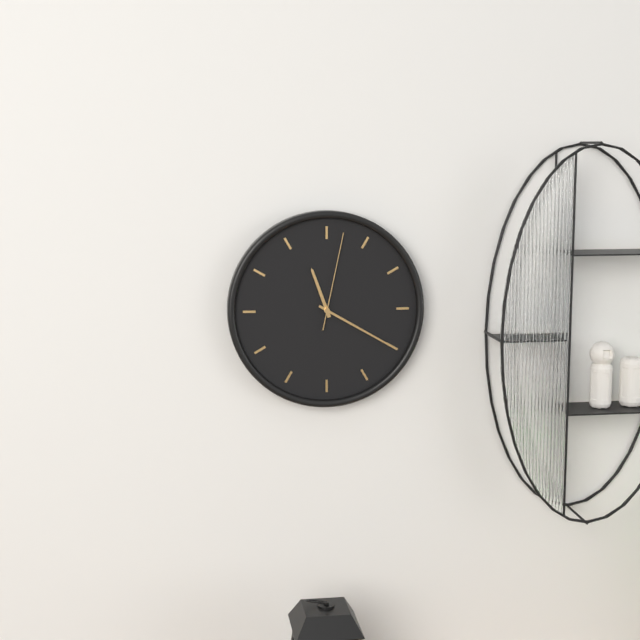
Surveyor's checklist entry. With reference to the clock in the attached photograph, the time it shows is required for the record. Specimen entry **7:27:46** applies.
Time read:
**11:20:02**
